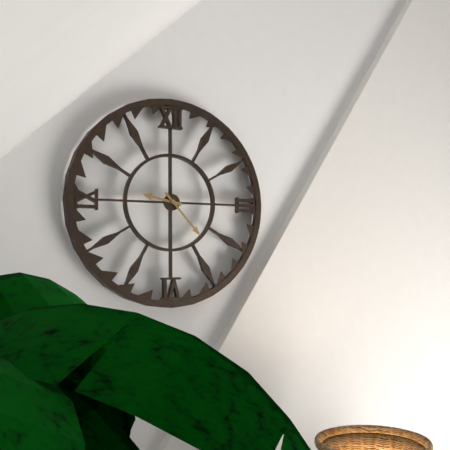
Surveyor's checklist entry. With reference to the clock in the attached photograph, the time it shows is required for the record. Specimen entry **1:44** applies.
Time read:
**9:23**
